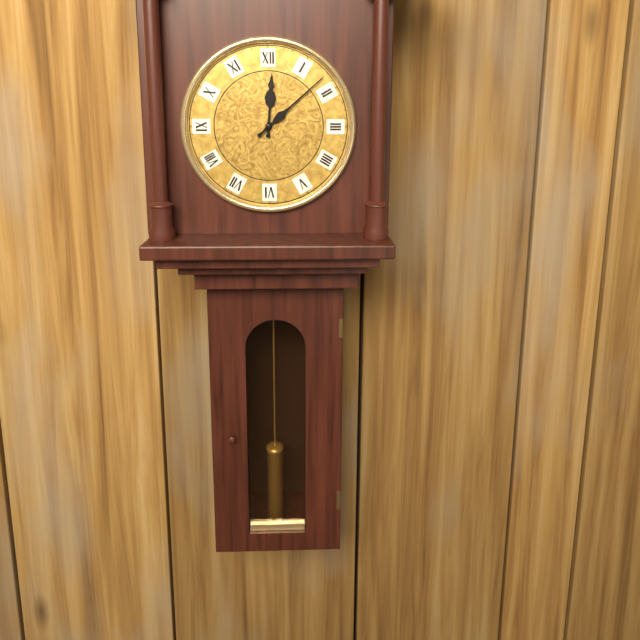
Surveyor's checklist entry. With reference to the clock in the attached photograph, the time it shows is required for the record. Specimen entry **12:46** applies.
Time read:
**12:08**
